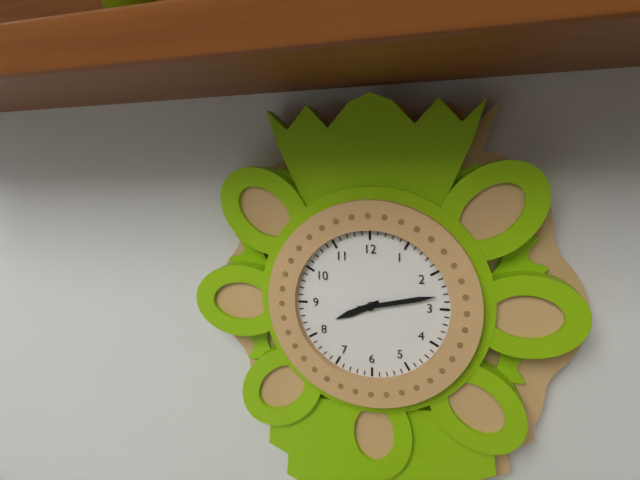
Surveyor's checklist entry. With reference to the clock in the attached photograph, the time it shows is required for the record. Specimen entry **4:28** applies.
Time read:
**8:13**
